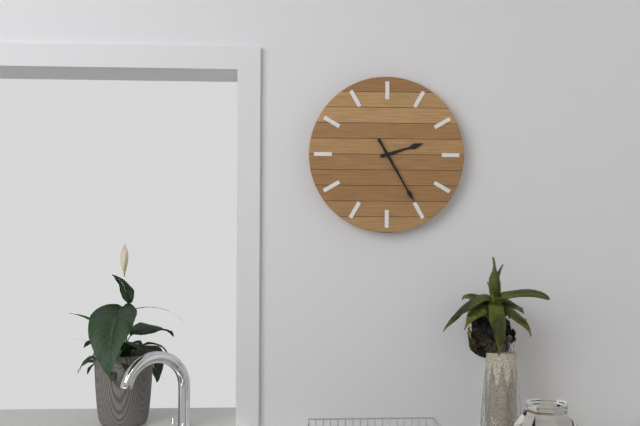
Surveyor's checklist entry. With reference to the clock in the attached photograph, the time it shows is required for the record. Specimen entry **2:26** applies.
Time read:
**2:25**
